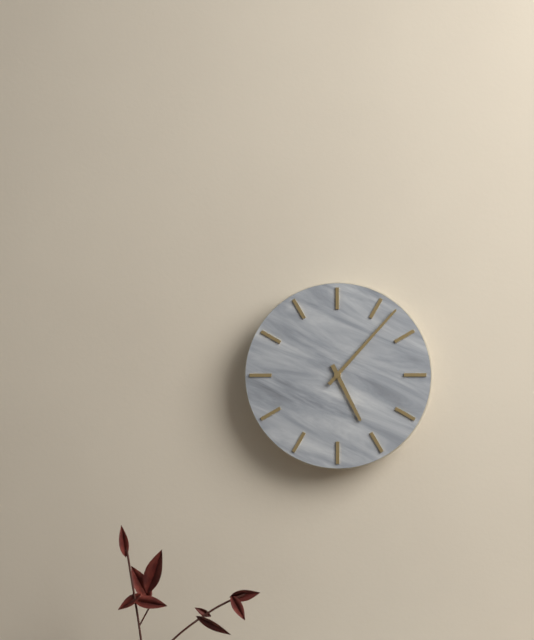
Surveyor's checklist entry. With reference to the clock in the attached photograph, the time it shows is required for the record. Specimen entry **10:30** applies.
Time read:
**5:07**
